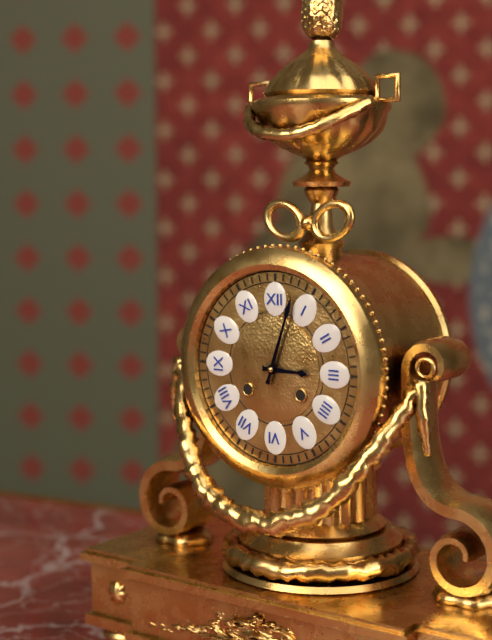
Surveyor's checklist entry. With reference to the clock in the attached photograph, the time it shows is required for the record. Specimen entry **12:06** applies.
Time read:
**3:03**
